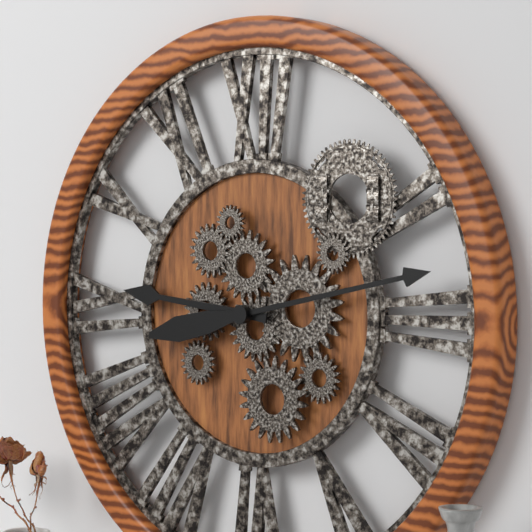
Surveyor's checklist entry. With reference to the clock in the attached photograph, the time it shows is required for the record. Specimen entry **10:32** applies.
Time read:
**9:13**
